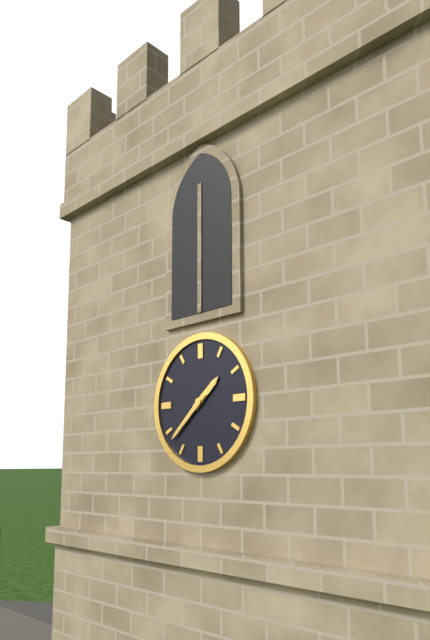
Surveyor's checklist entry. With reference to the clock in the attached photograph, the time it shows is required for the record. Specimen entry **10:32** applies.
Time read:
**1:38**
